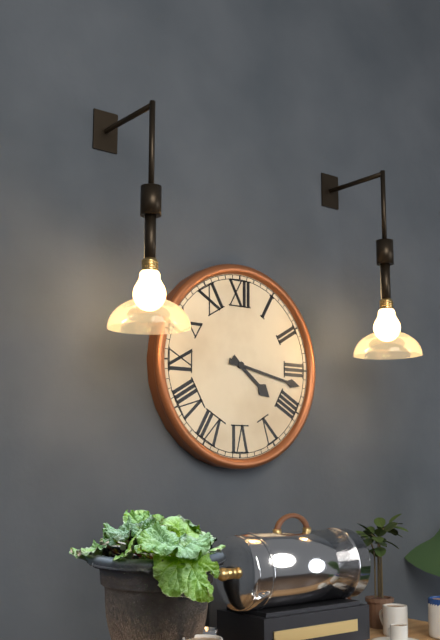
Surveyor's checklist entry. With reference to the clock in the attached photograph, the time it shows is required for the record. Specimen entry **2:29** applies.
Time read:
**4:17**
